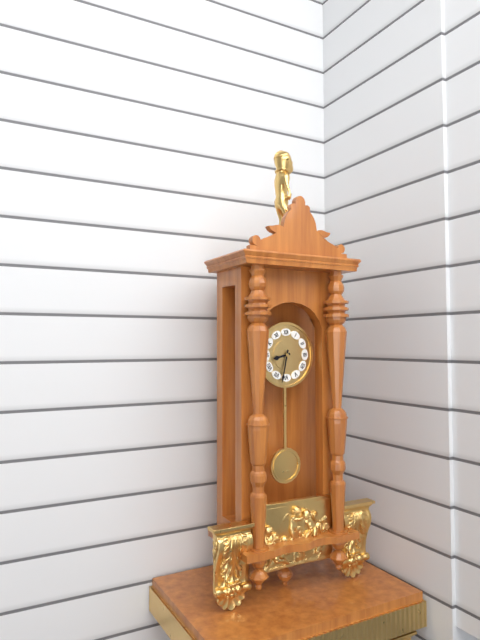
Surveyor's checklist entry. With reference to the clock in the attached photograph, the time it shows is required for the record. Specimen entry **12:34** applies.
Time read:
**8:32**
